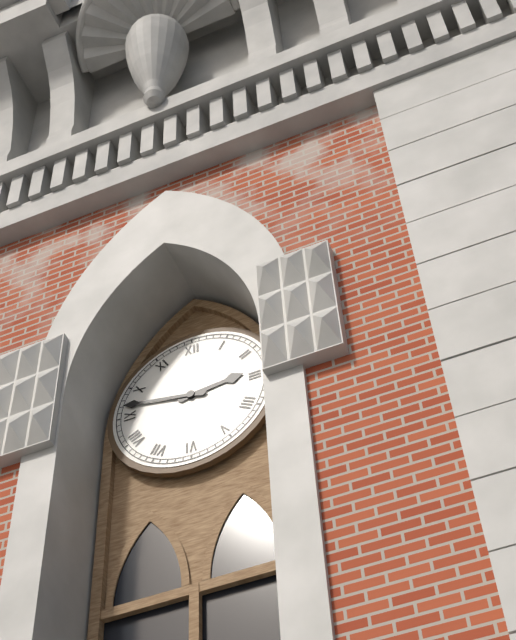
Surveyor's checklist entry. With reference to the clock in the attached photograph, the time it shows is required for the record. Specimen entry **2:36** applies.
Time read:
**2:47**
